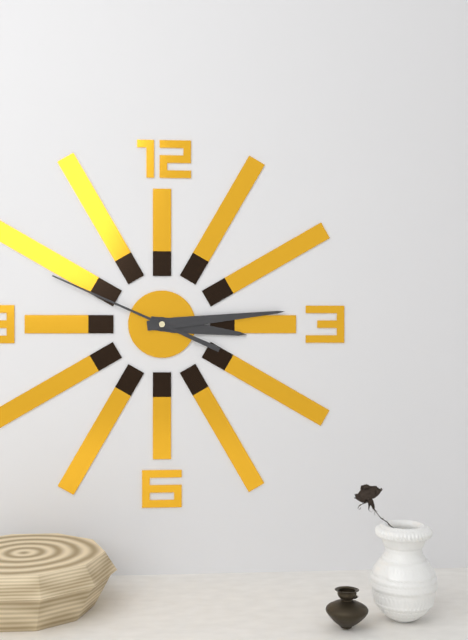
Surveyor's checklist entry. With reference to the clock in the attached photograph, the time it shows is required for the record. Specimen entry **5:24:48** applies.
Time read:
**3:14:49**
